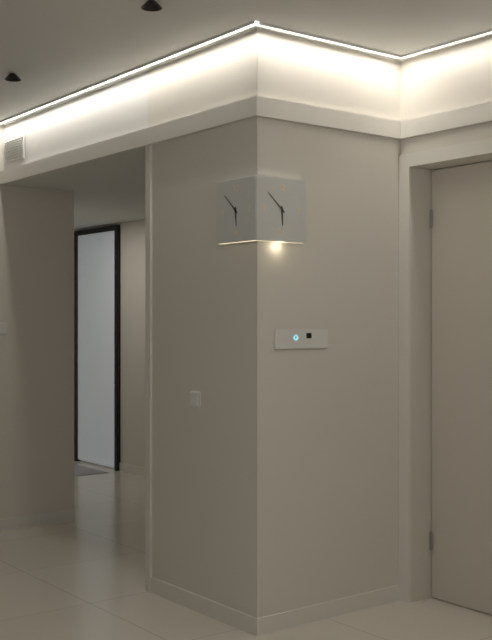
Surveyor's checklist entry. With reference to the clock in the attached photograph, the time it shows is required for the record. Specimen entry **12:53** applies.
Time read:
**5:52**
